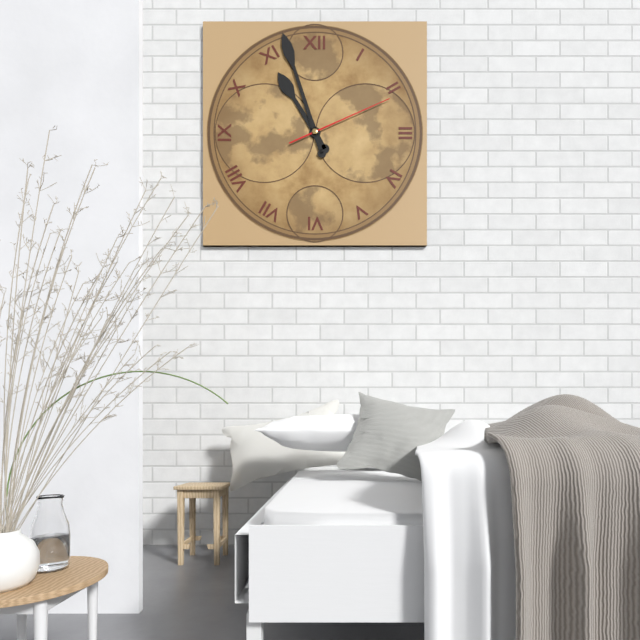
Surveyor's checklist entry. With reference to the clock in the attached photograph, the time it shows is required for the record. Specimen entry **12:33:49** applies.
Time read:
**10:57:11**
